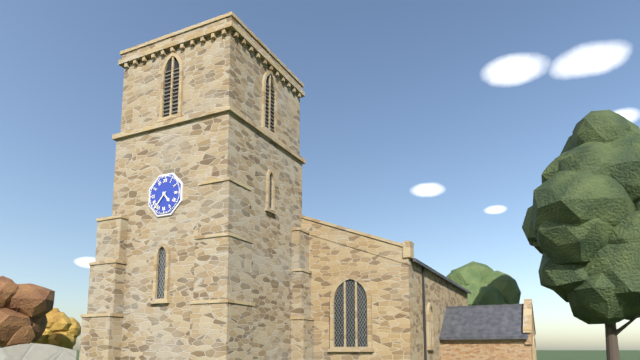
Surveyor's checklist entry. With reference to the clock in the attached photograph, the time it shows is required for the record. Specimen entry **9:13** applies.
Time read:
**4:37**
